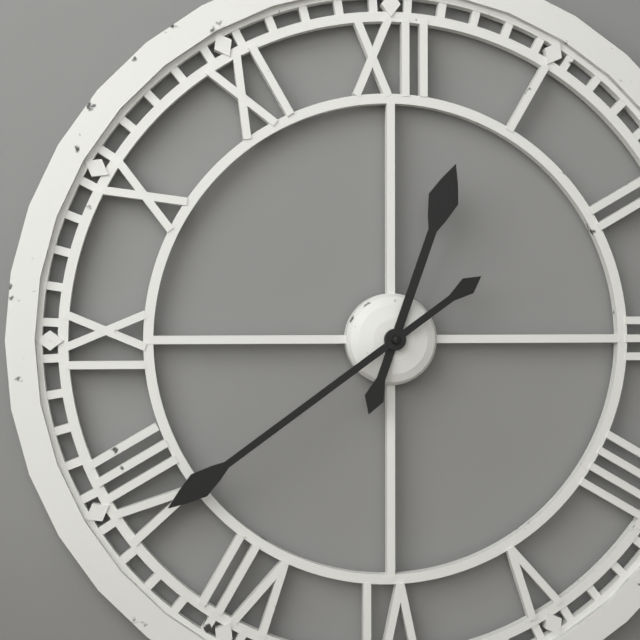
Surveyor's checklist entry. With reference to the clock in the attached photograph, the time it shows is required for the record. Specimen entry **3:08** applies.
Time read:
**12:39**
